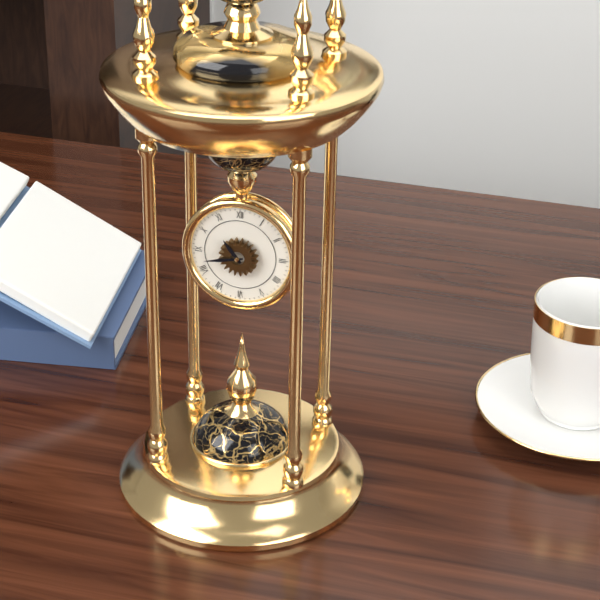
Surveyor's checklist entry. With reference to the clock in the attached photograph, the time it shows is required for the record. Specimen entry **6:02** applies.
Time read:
**10:43**
